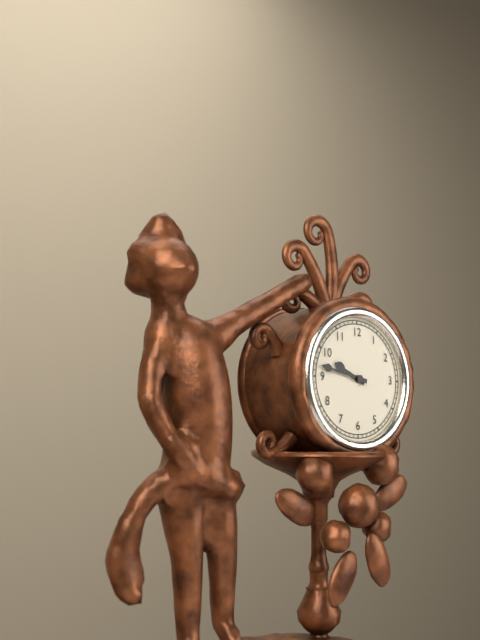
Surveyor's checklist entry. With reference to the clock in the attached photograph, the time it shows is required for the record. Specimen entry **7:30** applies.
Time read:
**9:47**
